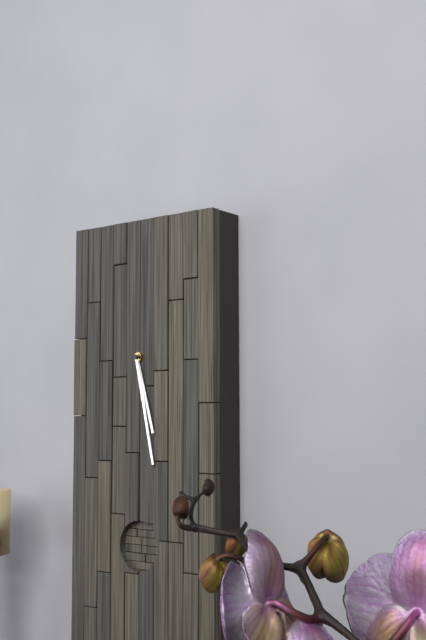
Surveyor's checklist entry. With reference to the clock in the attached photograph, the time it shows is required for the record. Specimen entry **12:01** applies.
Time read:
**5:28**
